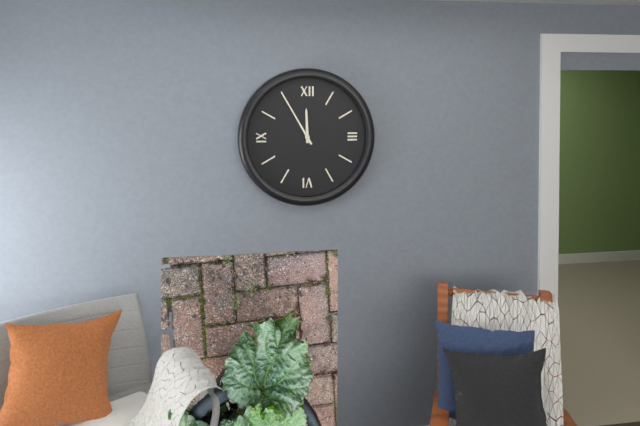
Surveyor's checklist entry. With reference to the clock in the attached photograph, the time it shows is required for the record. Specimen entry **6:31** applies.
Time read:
**11:55**
